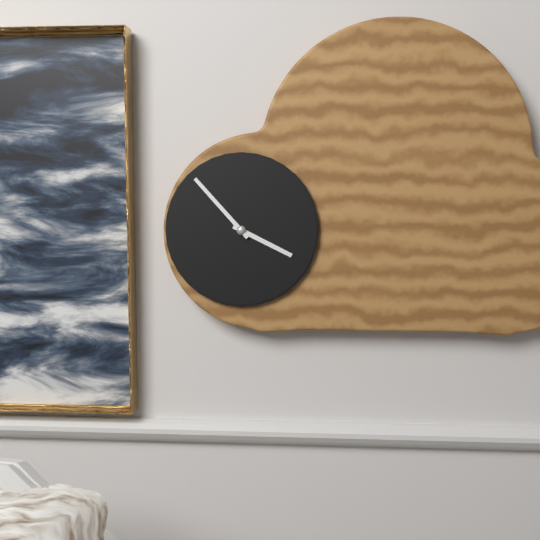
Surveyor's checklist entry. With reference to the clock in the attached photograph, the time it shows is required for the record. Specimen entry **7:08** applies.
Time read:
**3:53**
